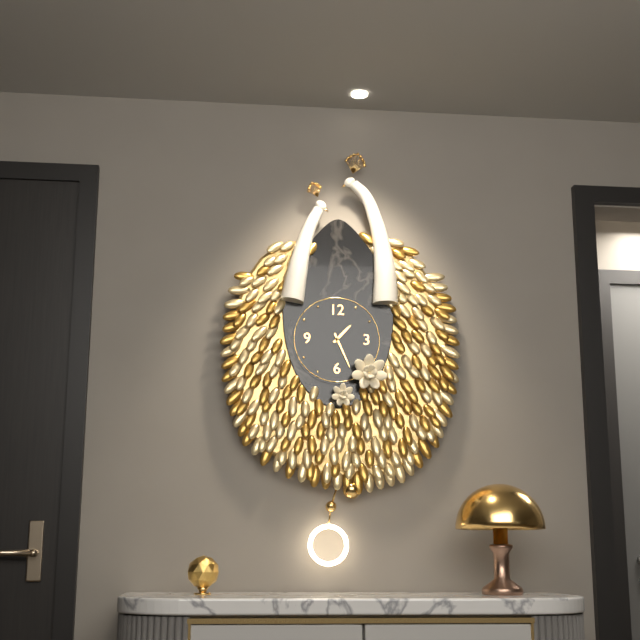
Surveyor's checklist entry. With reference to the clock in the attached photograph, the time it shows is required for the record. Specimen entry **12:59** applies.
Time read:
**1:26**
